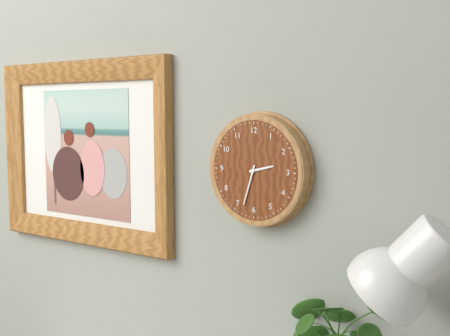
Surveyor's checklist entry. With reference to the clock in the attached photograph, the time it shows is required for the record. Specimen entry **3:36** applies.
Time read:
**2:33**
